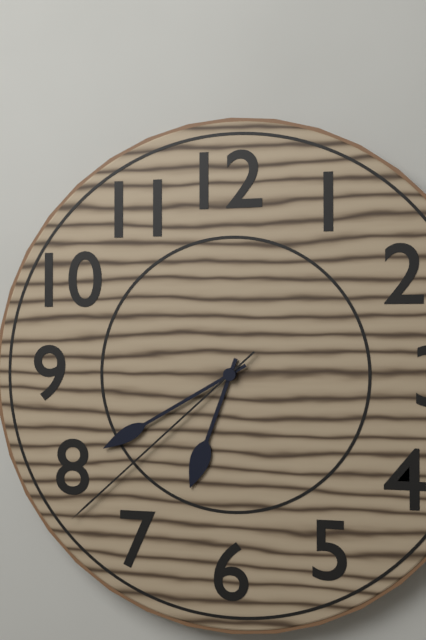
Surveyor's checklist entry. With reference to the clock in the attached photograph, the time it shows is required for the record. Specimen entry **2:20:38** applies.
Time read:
**6:40:38**
